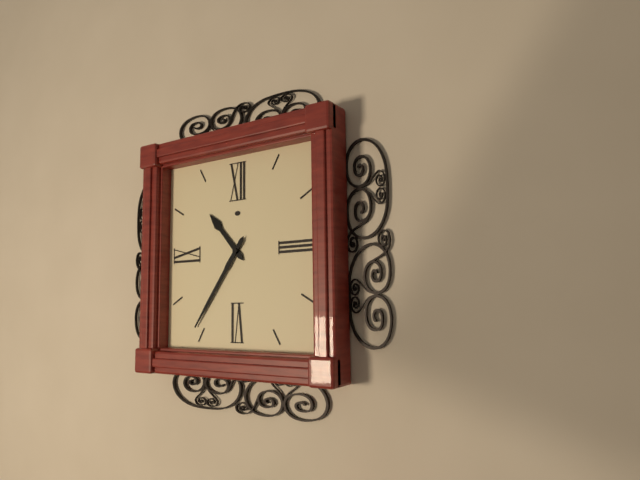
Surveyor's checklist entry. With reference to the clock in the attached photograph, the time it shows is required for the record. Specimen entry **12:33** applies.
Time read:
**10:36**
